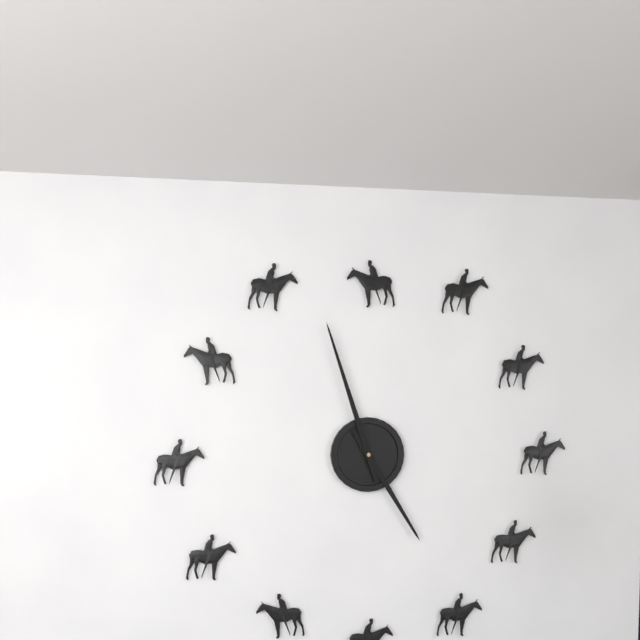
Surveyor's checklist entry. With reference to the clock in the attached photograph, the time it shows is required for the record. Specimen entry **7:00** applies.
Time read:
**4:57**
